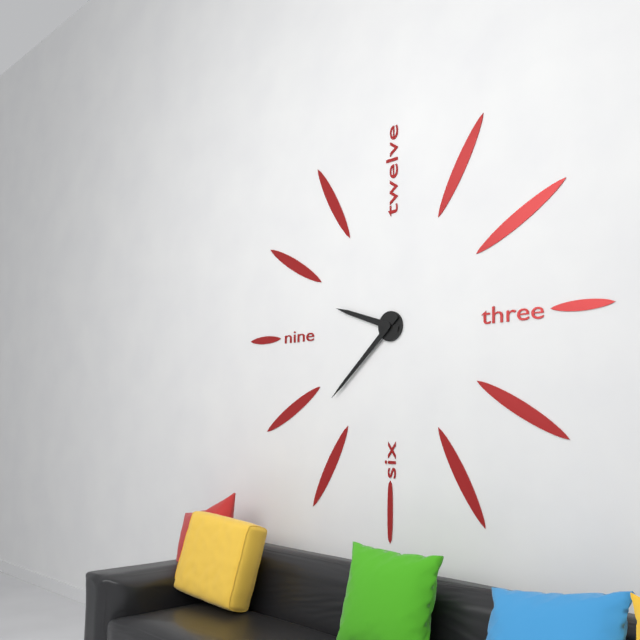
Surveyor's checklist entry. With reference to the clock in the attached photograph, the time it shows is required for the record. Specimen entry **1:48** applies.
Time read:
**9:38**
